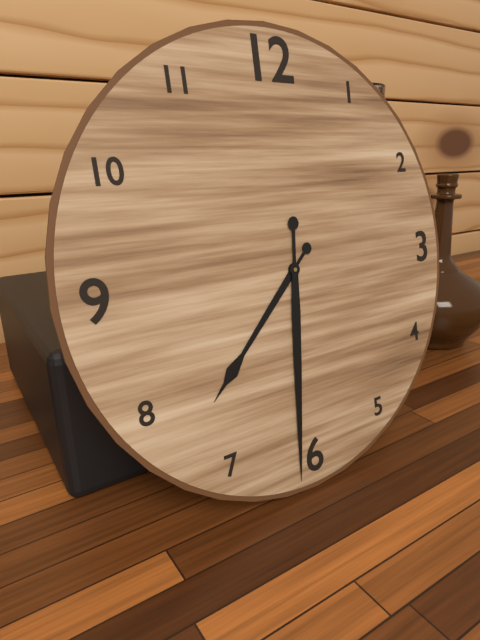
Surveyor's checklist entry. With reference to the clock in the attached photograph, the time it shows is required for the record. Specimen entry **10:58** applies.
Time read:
**7:31**
